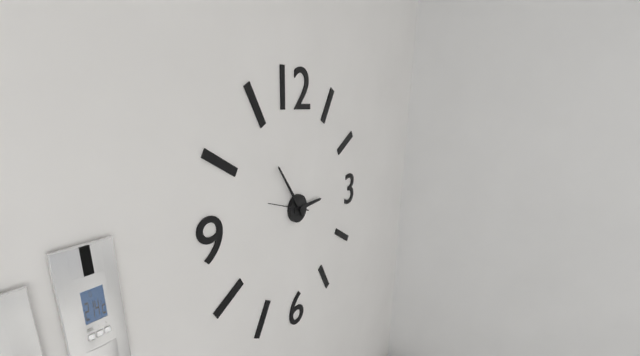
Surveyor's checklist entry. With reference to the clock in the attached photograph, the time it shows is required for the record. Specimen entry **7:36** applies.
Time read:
**2:54**
